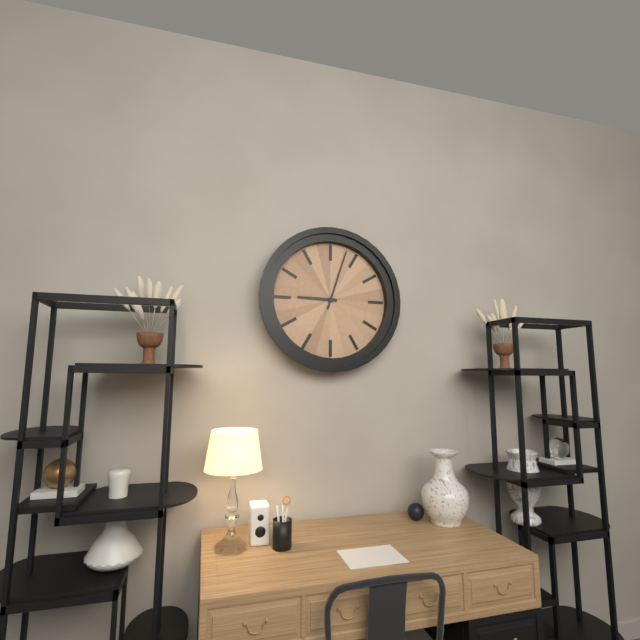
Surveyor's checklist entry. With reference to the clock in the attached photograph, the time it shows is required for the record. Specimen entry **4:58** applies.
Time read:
**9:03**
